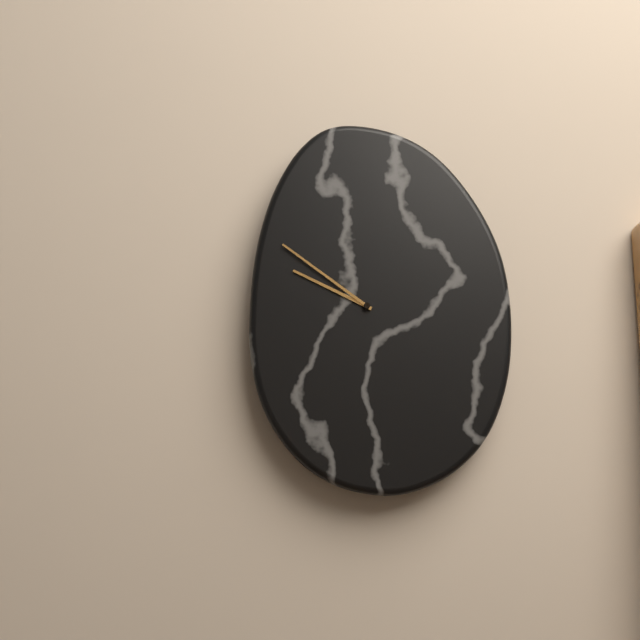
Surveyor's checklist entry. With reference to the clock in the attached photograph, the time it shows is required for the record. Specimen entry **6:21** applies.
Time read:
**9:51**
